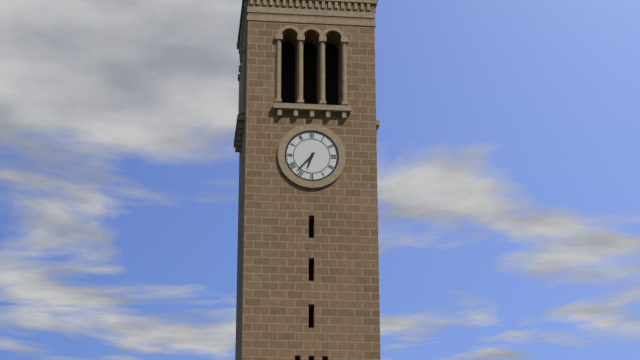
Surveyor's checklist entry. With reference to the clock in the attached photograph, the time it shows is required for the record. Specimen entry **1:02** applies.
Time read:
**6:37**
